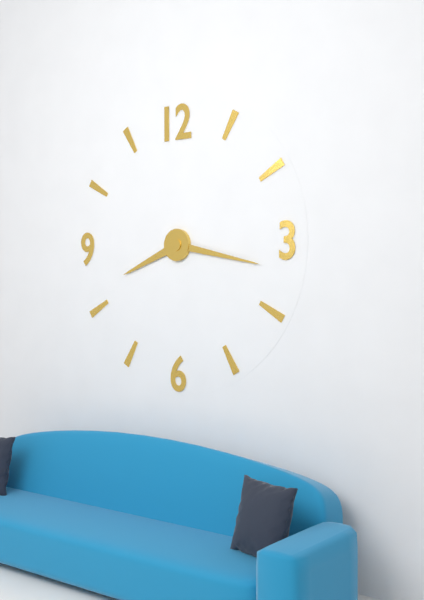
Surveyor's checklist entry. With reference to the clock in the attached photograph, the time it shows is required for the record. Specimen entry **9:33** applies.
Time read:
**8:17**
